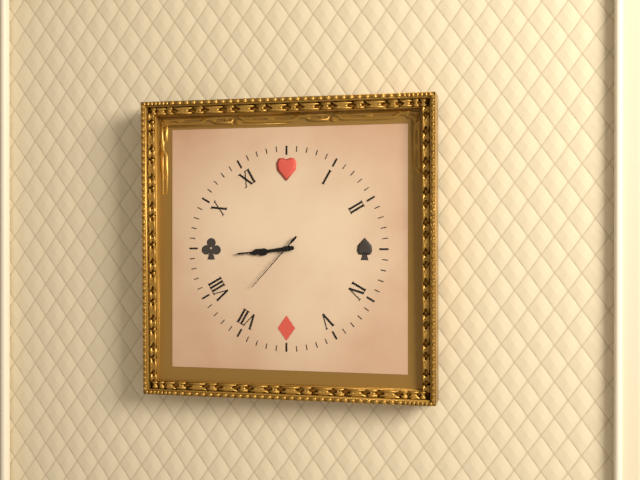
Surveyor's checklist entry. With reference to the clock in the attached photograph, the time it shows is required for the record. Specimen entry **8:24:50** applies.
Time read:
**8:44:37**
